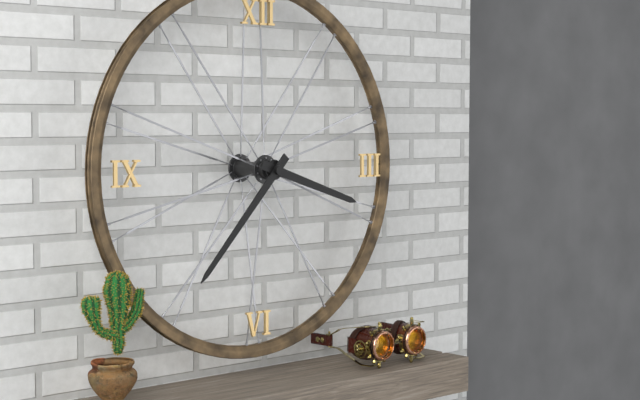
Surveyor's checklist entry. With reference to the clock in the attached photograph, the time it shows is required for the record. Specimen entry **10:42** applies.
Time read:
**3:37**
